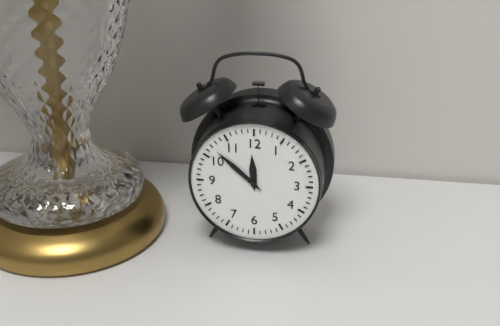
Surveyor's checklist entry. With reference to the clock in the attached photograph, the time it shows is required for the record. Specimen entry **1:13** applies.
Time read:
**11:52**
